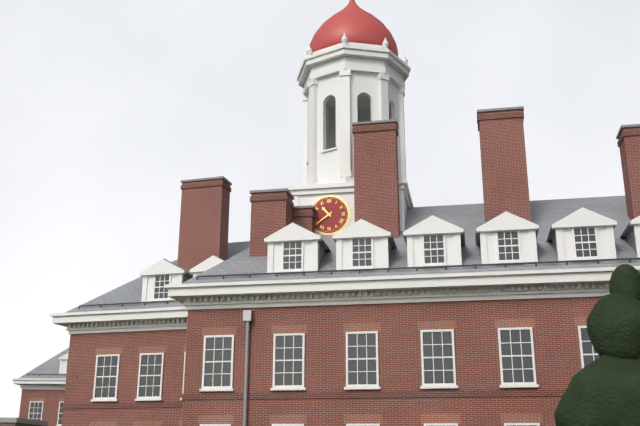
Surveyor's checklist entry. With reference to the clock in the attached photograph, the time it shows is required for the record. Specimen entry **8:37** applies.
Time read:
**10:39**
